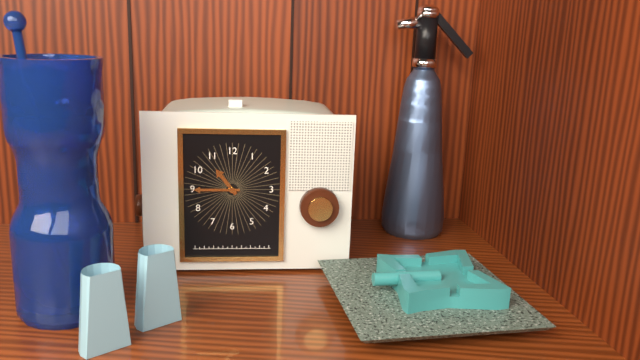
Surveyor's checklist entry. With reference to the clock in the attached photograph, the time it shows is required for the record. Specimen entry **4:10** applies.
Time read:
**10:45**
